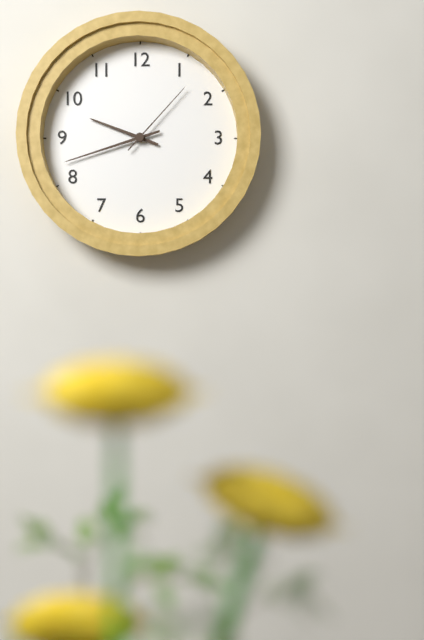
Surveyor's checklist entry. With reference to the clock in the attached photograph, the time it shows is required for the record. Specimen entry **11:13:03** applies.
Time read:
**9:42:07**
